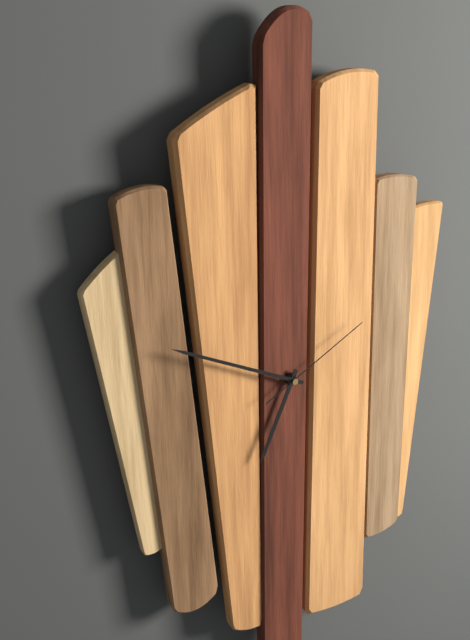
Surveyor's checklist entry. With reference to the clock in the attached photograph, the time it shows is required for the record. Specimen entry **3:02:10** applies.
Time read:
**6:49:10**
